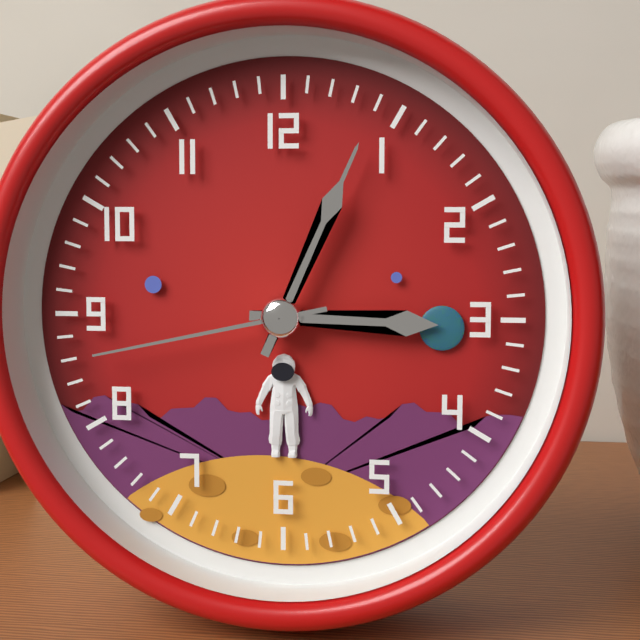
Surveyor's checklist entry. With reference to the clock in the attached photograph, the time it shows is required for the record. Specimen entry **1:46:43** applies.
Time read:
**3:04:43**
